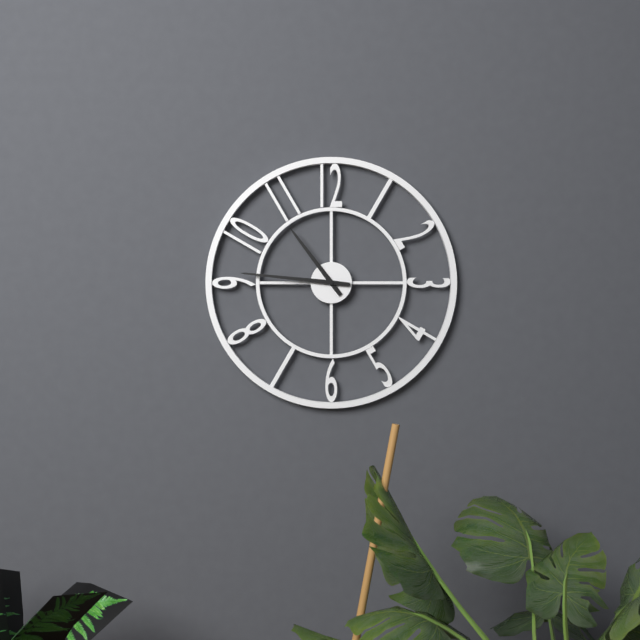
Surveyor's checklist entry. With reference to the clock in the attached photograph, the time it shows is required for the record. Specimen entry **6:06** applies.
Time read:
**10:46**
